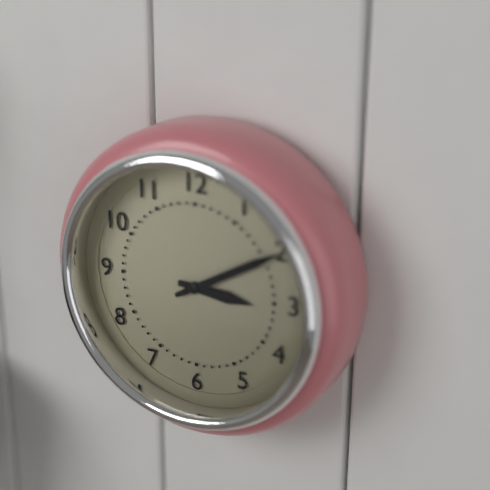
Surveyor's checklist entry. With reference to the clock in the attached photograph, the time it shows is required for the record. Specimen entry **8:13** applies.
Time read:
**3:10**
